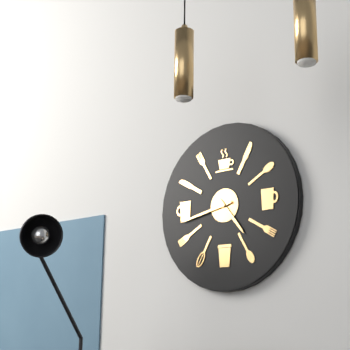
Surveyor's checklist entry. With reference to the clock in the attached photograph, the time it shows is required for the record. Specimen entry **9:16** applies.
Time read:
**4:43**
